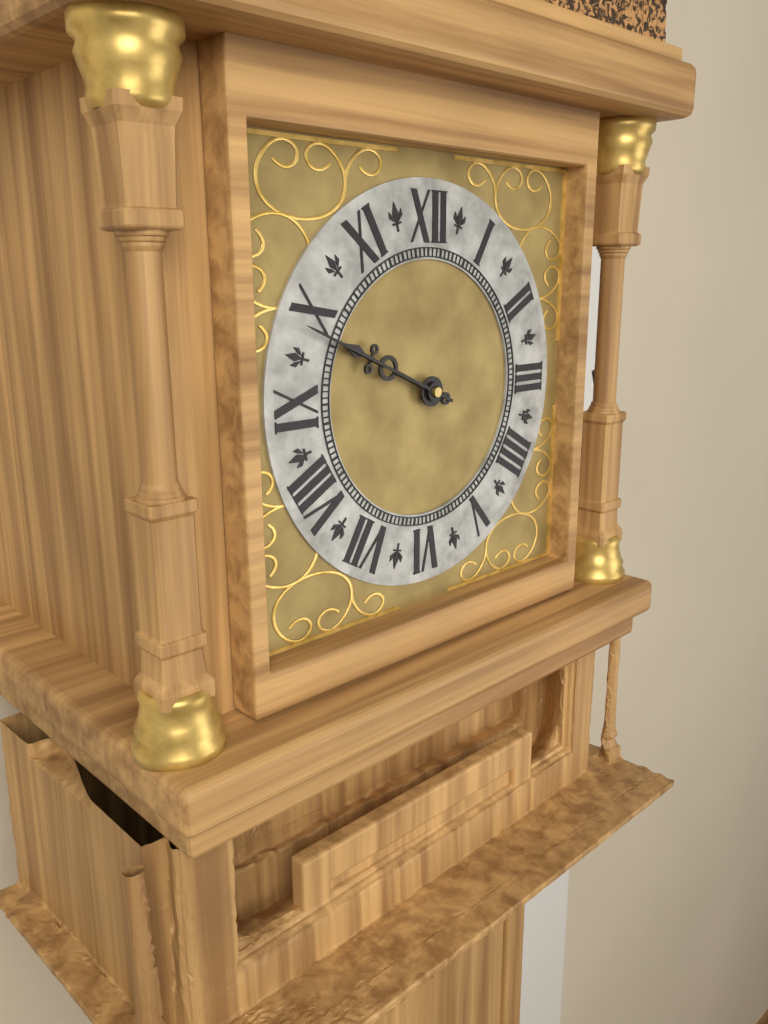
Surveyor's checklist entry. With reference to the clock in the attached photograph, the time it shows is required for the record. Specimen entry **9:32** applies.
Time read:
**9:49**
